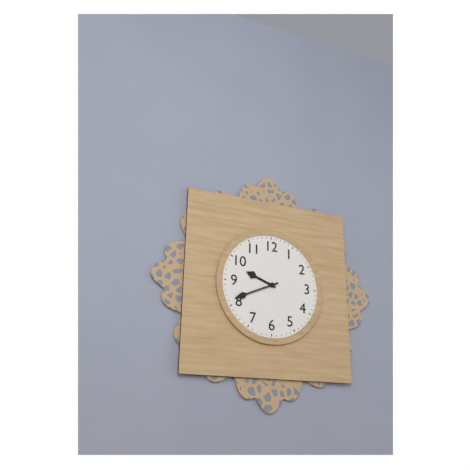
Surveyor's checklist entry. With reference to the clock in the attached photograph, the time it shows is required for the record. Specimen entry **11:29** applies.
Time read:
**9:41**
